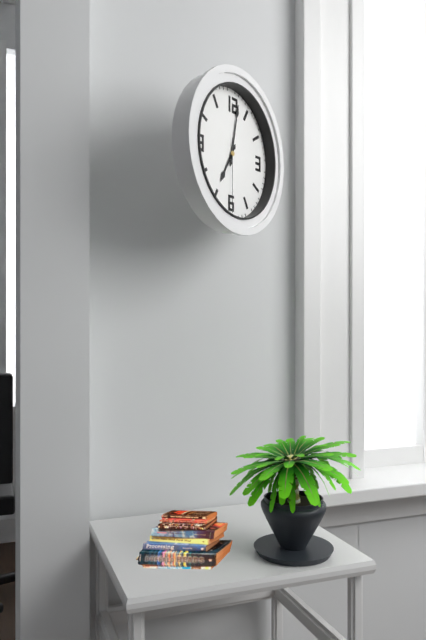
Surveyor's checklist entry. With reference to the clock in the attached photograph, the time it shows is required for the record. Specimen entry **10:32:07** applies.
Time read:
**7:02:30**
